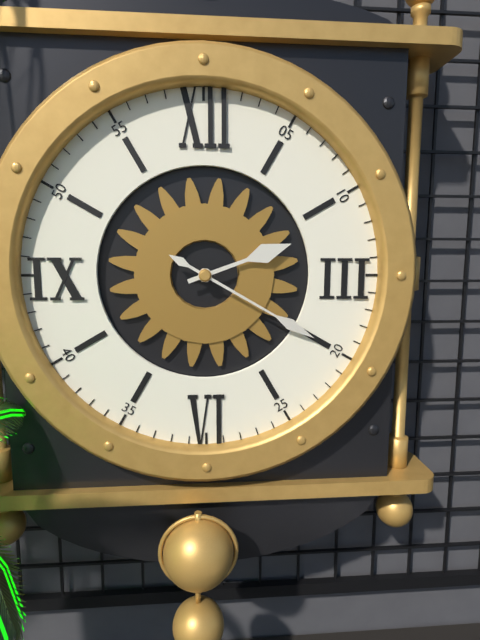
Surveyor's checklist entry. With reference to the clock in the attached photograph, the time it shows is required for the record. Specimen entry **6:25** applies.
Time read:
**2:20**
